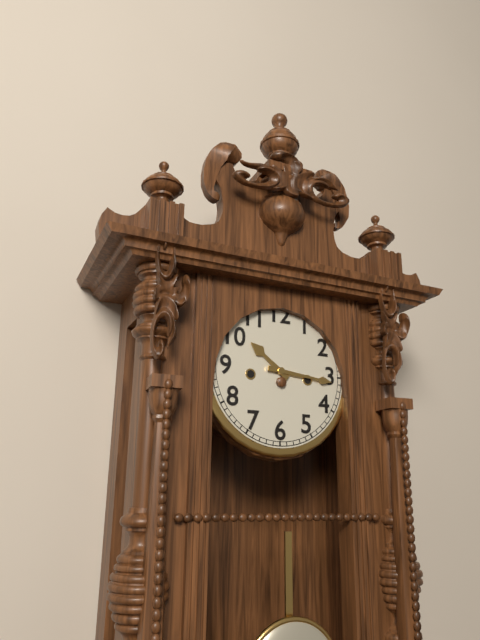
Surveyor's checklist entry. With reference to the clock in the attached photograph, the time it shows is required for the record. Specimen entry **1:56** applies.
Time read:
**10:16**
